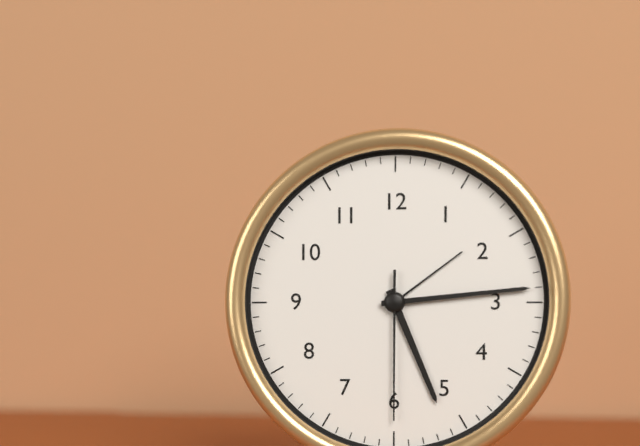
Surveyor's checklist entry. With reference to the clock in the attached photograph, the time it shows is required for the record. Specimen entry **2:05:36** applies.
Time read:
**5:14:30**
